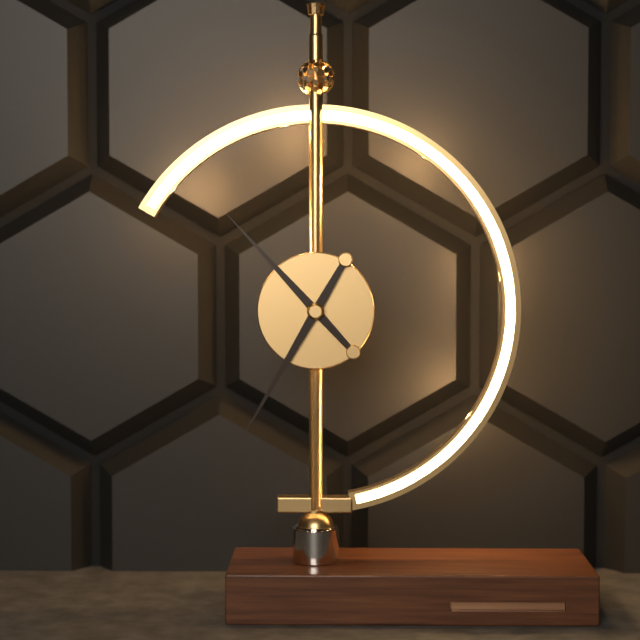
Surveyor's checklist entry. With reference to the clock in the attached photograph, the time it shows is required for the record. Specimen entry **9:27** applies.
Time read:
**10:35**
